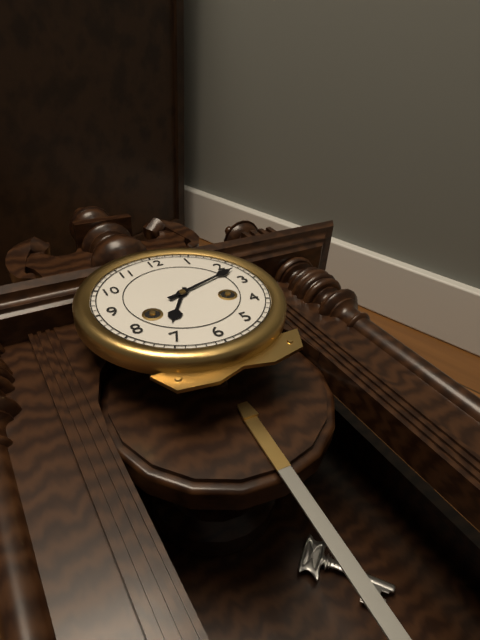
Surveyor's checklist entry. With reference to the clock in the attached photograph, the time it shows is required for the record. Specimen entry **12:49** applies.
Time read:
**7:12**
